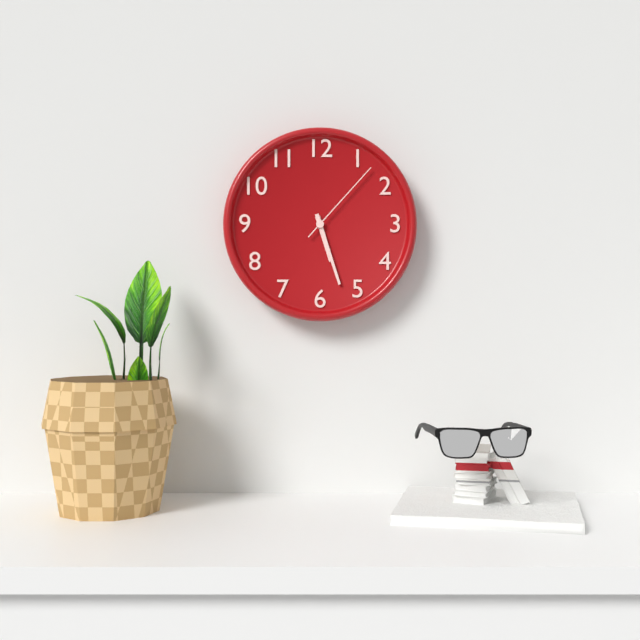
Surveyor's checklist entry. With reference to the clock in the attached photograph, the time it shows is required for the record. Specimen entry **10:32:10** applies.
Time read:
**5:27:07**
